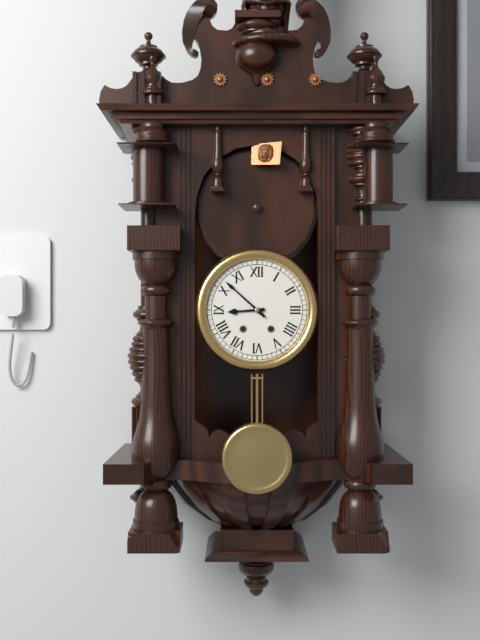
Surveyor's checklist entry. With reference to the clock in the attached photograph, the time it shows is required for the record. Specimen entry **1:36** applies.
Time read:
**8:52**
